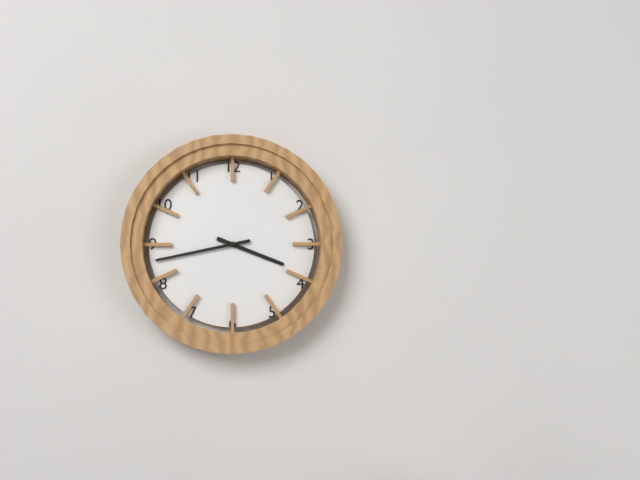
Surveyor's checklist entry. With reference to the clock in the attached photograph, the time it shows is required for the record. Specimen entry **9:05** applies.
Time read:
**3:43**
